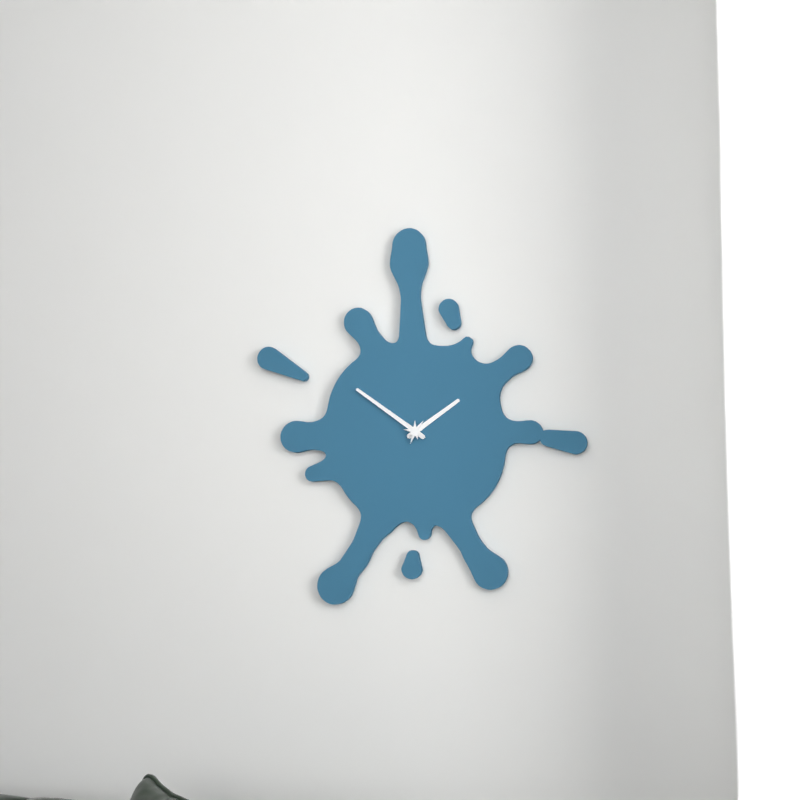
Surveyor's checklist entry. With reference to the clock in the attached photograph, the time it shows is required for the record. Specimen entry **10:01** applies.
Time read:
**1:51**
